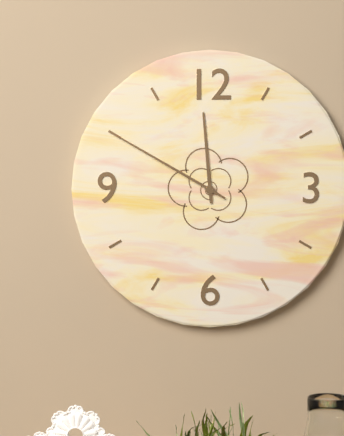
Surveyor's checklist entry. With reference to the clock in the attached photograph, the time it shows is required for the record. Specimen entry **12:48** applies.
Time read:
**11:50**
